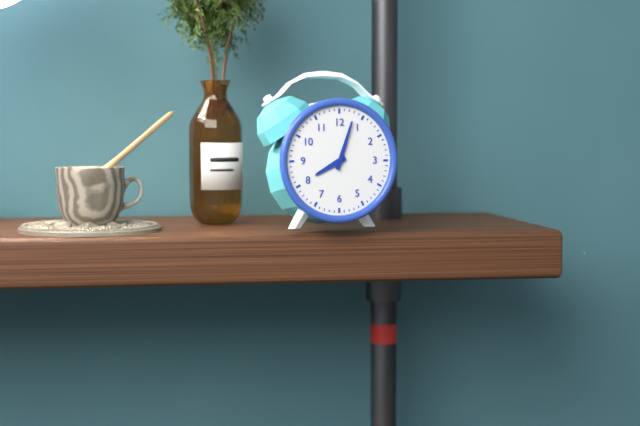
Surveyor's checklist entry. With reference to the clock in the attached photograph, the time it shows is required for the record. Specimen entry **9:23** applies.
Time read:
**8:03**
